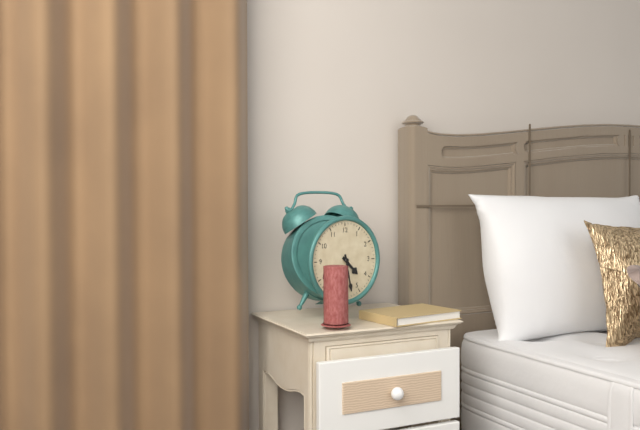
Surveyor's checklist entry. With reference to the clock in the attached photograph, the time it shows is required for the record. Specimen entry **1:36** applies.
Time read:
**4:28**
